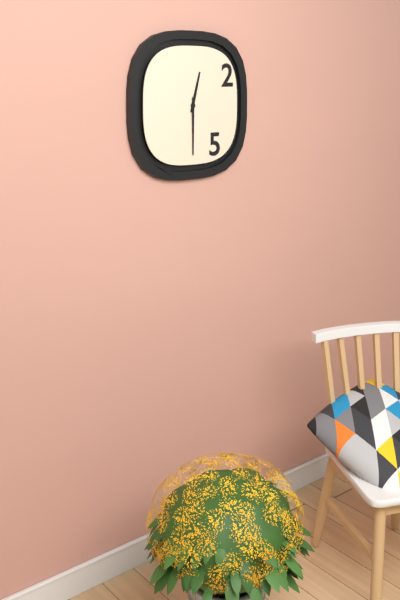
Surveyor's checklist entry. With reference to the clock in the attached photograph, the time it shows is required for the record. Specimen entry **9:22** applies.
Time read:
**12:30**
